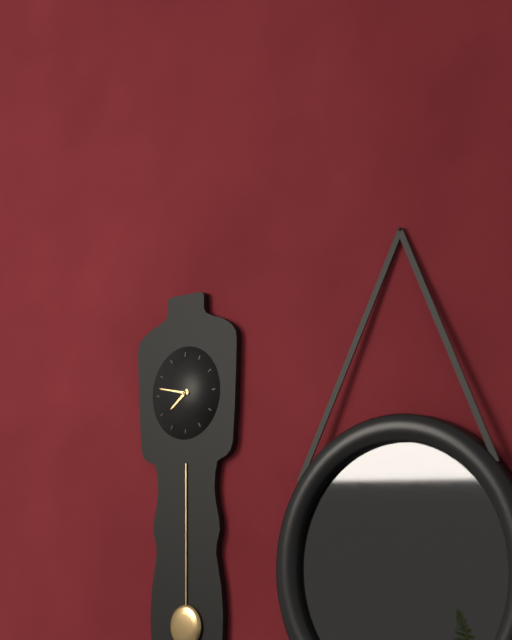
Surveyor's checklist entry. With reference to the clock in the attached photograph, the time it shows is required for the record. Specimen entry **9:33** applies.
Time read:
**7:47**
